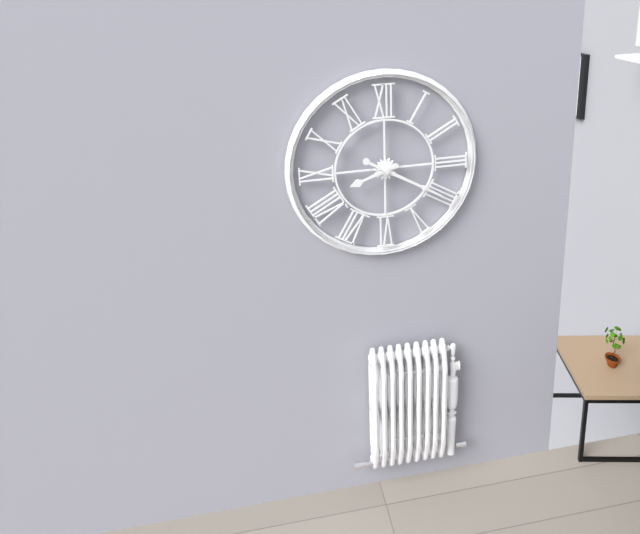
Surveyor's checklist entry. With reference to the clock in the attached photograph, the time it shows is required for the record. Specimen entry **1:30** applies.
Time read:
**8:20**
